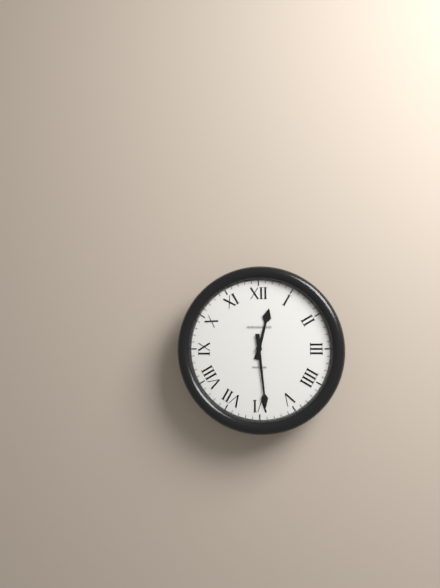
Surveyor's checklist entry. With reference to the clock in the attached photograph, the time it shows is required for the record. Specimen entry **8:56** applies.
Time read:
**12:29**
